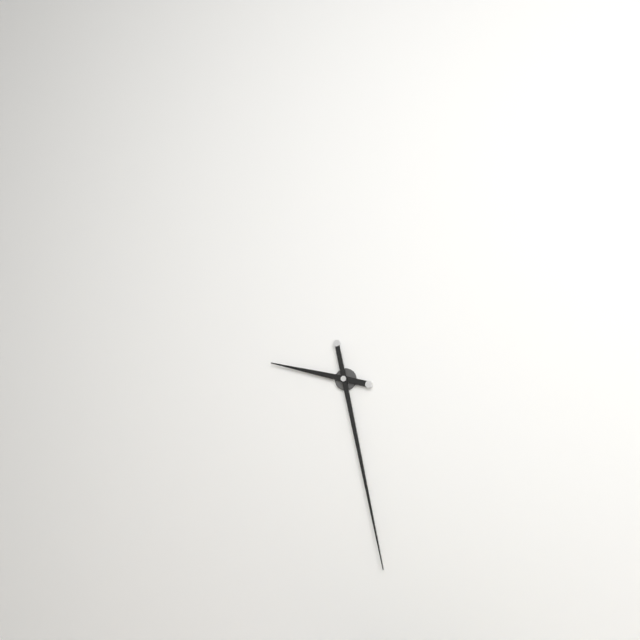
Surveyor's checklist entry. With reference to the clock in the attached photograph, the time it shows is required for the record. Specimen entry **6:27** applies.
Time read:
**9:28**
